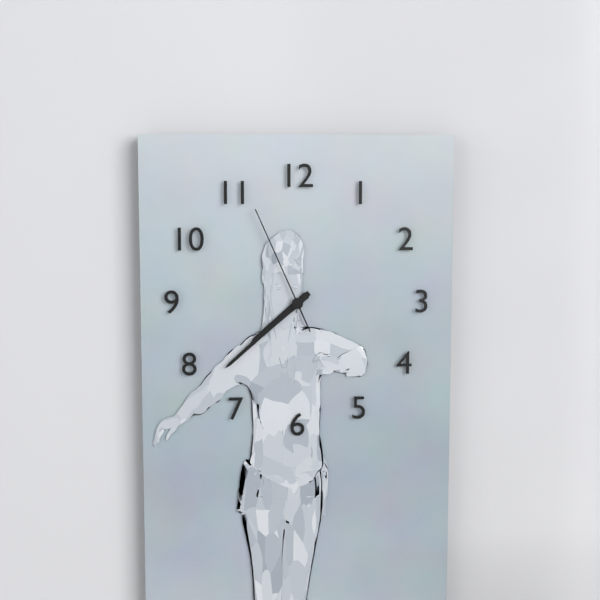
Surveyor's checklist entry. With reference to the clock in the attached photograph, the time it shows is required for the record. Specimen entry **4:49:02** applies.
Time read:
**7:38:56**
